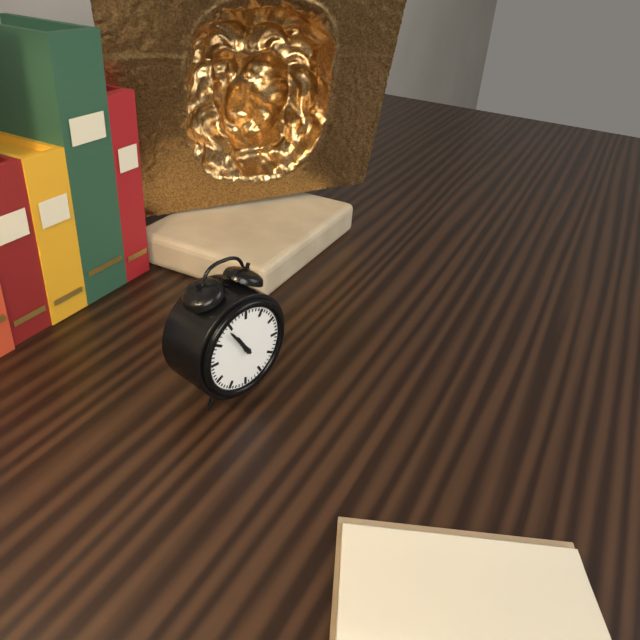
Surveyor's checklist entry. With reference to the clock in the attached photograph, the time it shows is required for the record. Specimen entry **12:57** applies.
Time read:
**10:54**
